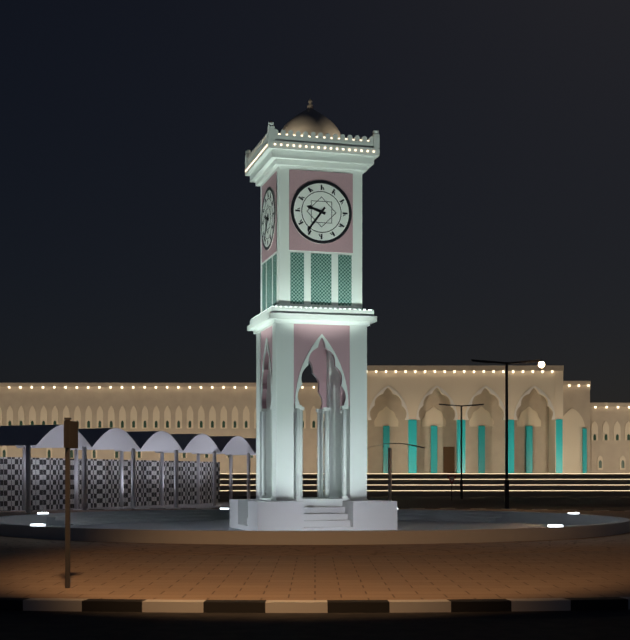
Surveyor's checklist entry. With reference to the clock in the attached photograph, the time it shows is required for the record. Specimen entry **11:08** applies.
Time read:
**9:36**
